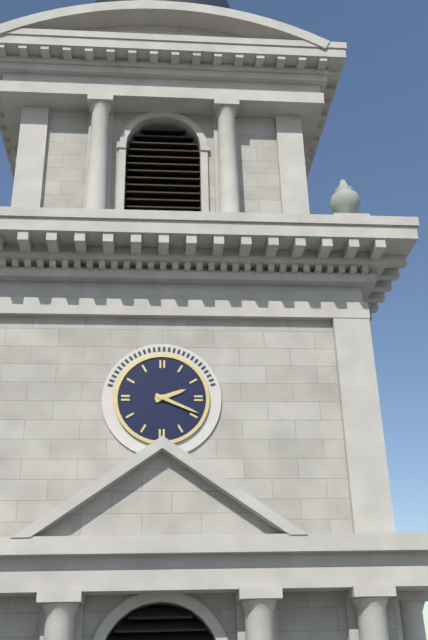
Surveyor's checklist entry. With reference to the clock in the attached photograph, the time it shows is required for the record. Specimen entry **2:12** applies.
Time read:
**2:19**
